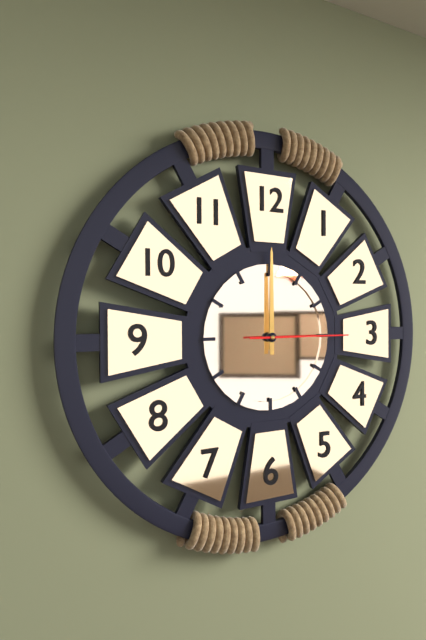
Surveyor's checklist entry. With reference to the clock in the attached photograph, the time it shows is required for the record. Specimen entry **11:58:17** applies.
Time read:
**12:00:15**
